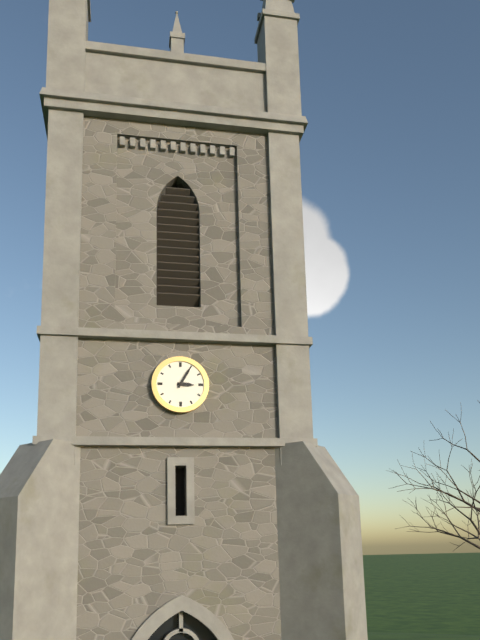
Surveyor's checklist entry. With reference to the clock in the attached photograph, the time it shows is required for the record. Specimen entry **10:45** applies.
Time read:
**3:05**
